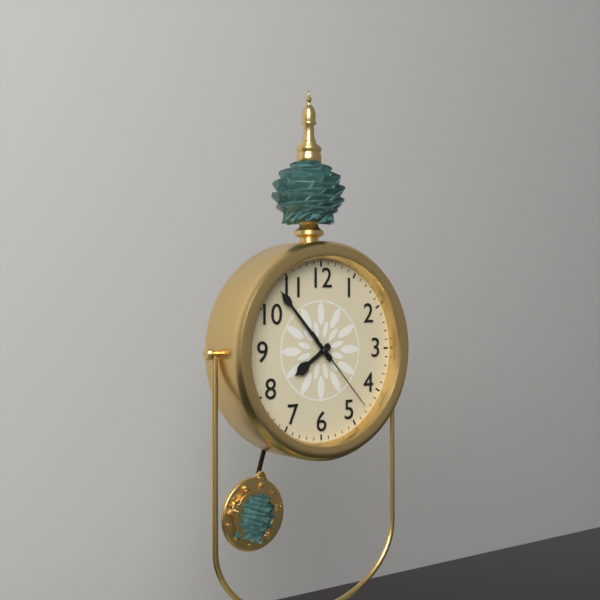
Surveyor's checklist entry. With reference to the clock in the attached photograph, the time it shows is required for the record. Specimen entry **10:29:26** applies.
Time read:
**7:53:23**
